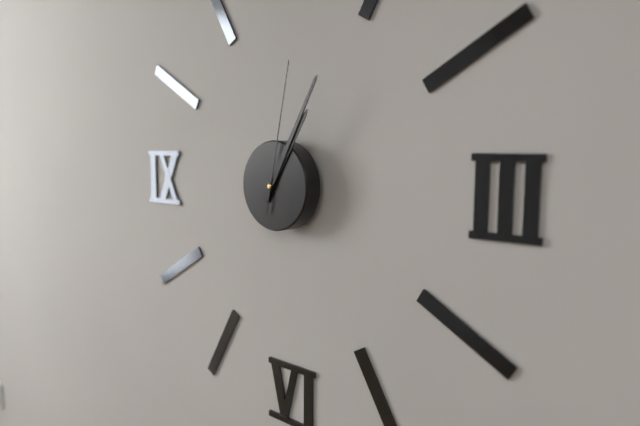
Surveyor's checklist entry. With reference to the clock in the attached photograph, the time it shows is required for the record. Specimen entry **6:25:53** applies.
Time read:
**1:05:02**
